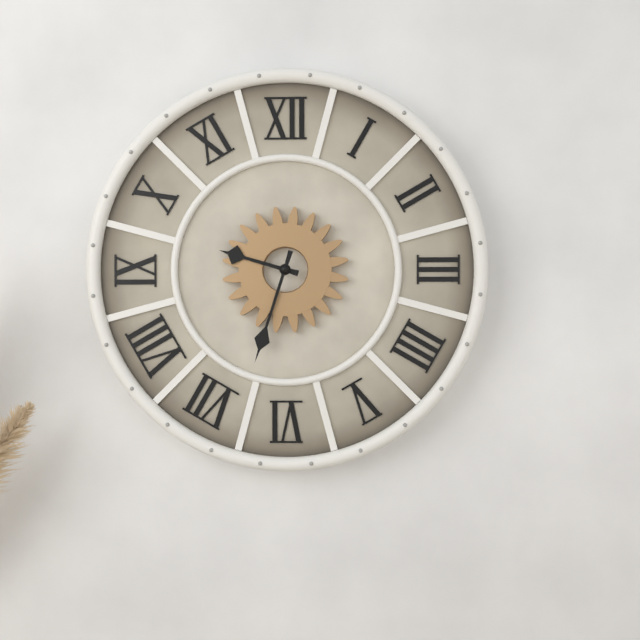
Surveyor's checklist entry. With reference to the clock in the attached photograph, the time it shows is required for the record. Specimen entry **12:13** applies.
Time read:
**9:33**
